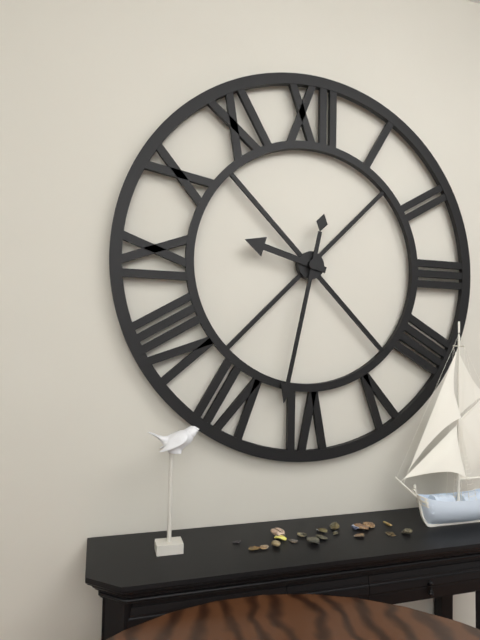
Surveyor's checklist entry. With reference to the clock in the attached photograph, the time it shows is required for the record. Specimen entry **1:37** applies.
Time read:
**9:32**
